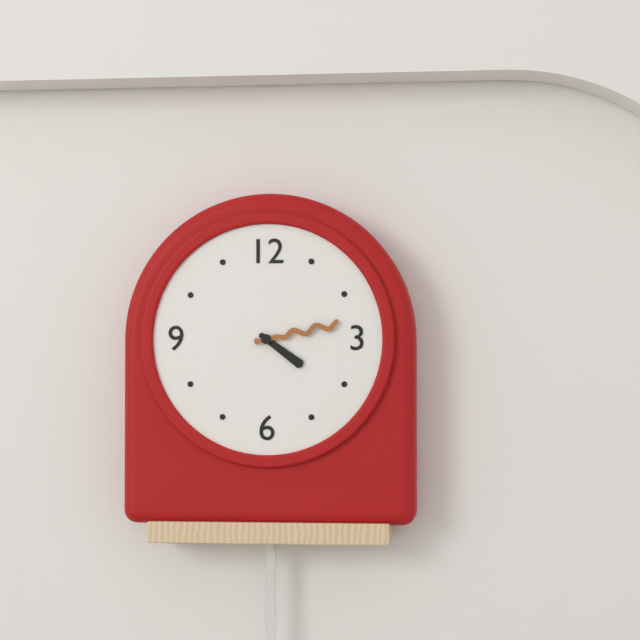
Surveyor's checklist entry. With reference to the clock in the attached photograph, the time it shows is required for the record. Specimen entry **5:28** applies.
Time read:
**4:13**
